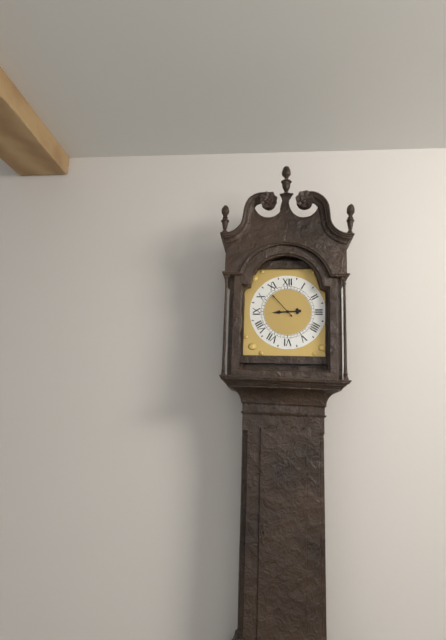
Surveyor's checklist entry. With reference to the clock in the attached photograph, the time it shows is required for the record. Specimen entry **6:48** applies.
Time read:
**8:53**
